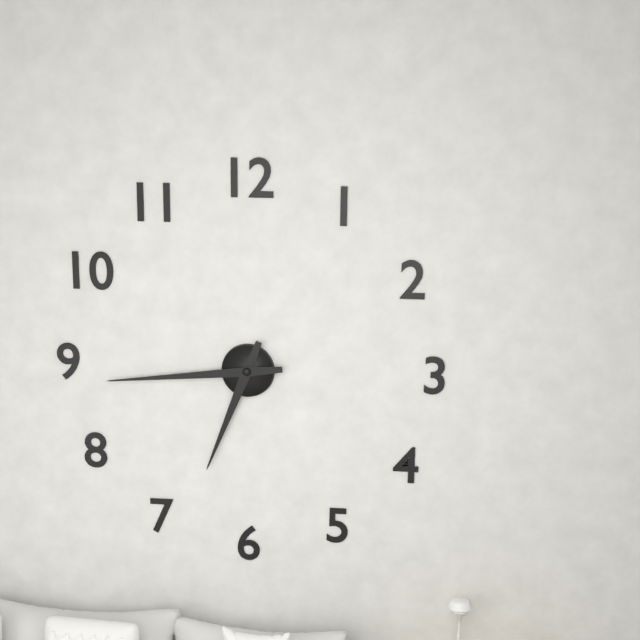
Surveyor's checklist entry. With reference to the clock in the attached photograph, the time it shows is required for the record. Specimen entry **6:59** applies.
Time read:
**6:44**
